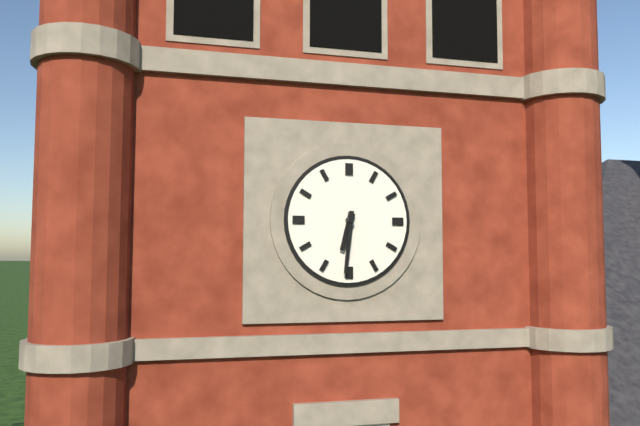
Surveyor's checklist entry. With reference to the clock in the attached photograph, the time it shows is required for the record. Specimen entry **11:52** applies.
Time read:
**6:31**
